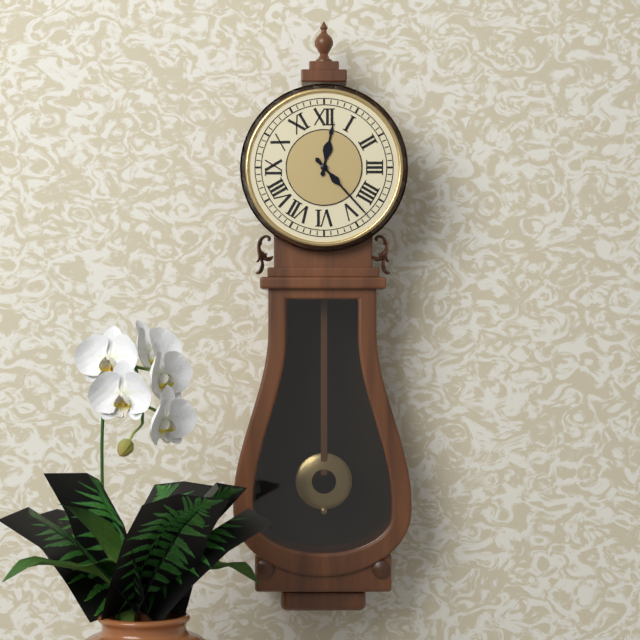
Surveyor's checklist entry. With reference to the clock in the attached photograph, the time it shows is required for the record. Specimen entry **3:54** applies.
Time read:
**12:23**
